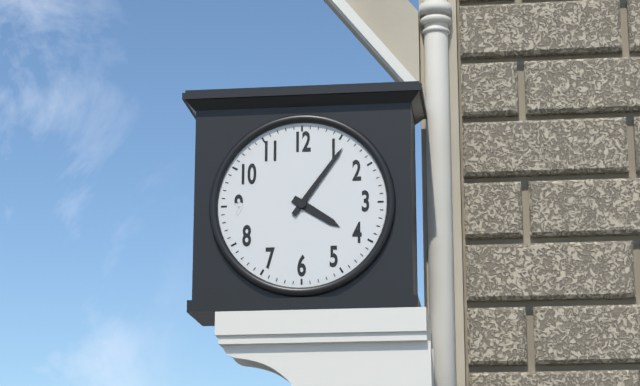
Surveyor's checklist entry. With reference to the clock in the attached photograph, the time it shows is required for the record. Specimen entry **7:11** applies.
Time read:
**4:06**
